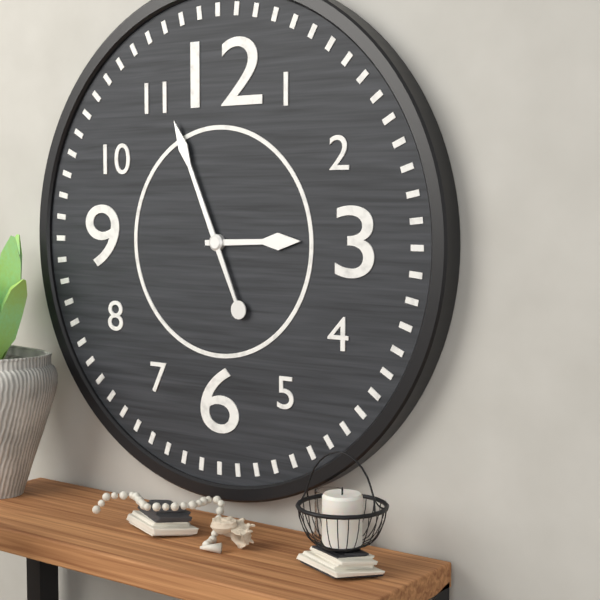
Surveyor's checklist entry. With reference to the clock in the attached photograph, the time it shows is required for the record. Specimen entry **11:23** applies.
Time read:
**2:56**
